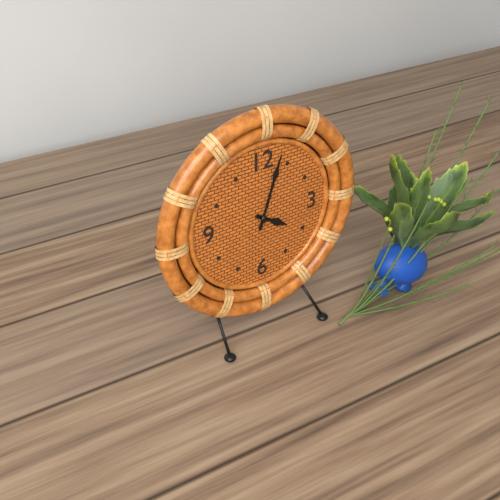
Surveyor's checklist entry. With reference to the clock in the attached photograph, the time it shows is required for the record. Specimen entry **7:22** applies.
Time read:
**4:03**
